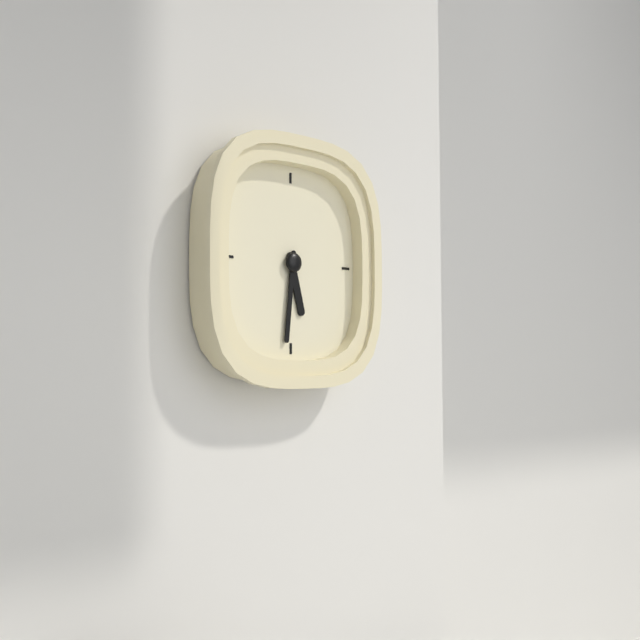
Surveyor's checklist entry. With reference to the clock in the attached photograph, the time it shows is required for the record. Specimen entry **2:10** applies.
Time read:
**5:31**
